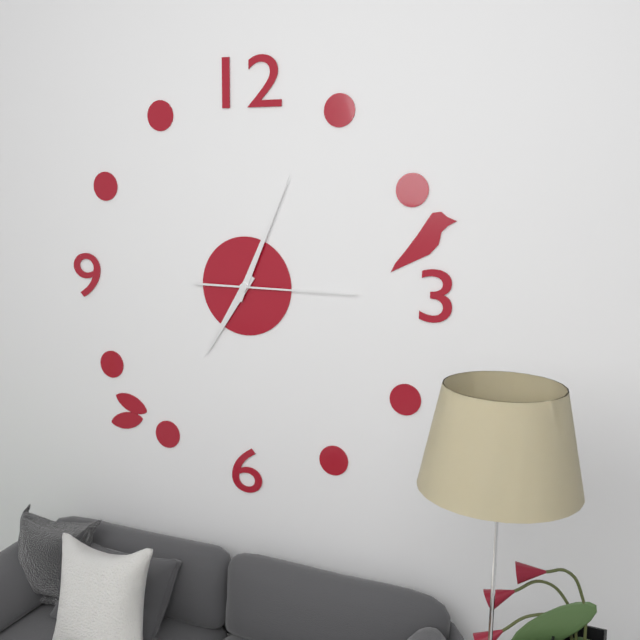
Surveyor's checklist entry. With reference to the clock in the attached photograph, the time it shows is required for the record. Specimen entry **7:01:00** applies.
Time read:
**7:04:15**
